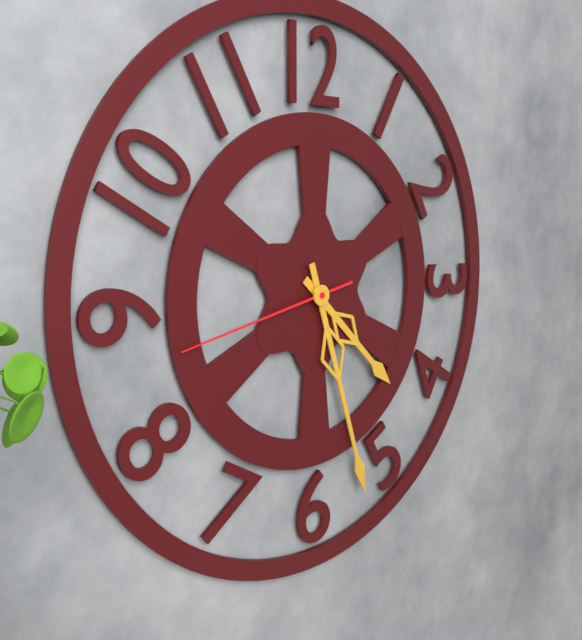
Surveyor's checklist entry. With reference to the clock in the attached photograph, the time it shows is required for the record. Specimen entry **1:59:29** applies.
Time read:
**4:27:43**
